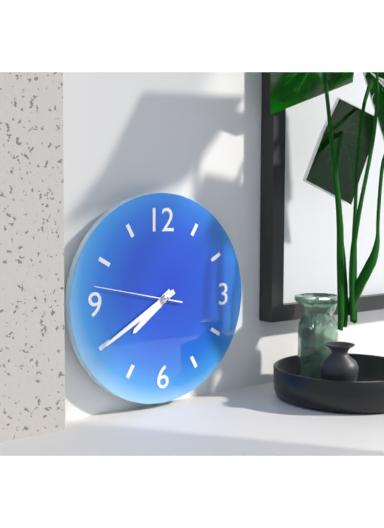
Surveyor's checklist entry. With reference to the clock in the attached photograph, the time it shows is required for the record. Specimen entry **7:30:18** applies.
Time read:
**7:40:47**
